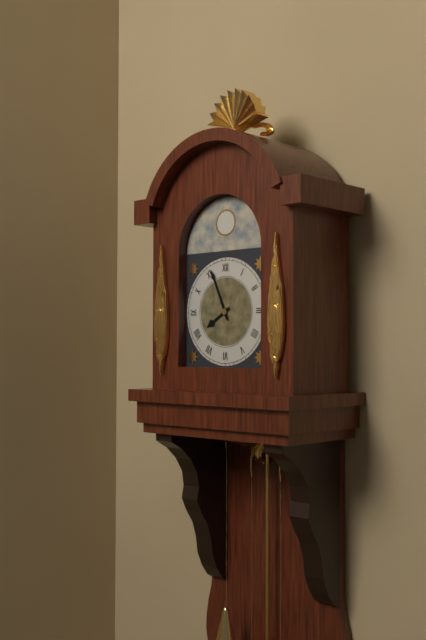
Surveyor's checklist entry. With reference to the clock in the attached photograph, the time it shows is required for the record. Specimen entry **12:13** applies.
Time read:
**7:56**
